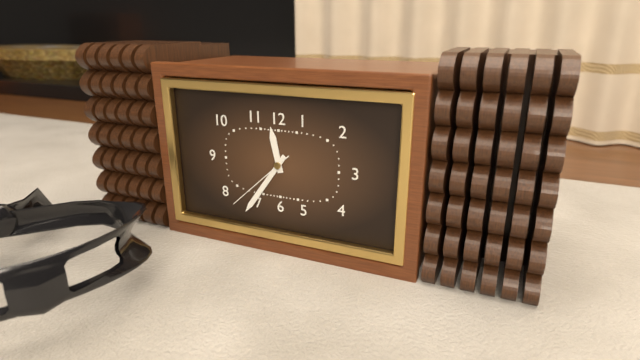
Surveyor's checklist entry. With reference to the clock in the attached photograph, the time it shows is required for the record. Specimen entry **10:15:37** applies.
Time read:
**11:36:38**
